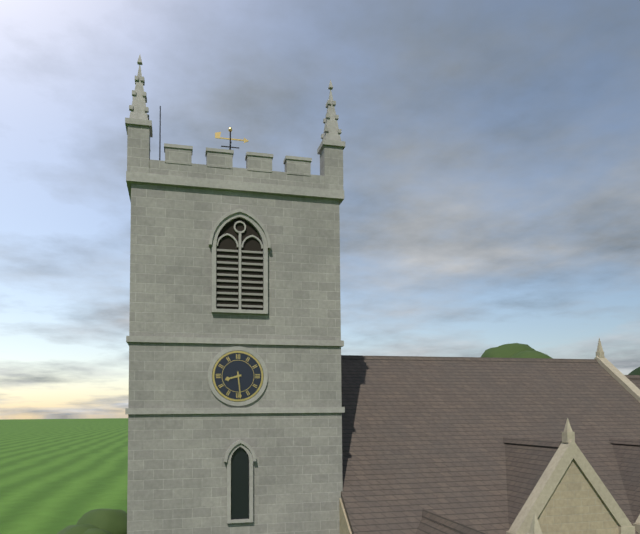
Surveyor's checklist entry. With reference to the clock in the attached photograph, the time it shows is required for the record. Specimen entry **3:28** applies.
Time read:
**8:29**
